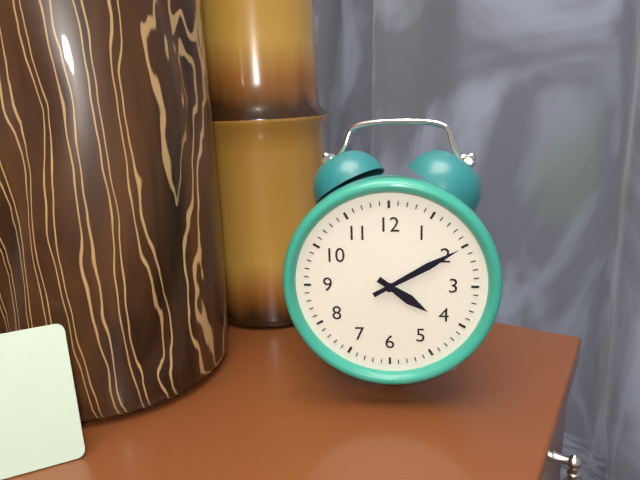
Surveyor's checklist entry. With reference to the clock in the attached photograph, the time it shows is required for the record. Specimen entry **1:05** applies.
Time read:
**4:10**
